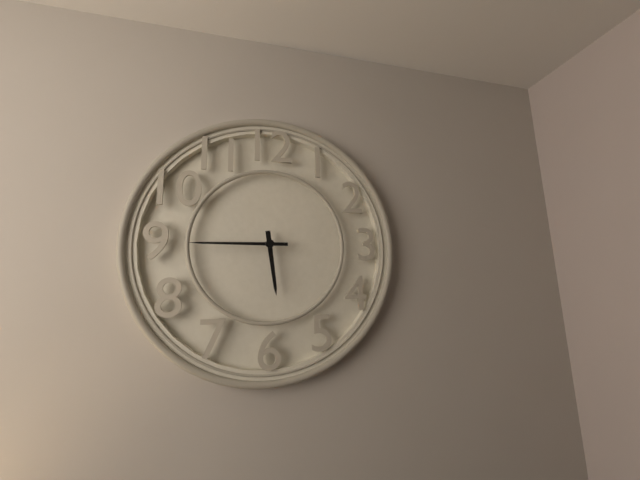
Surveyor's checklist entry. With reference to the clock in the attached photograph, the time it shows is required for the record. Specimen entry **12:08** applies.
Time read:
**5:45**
